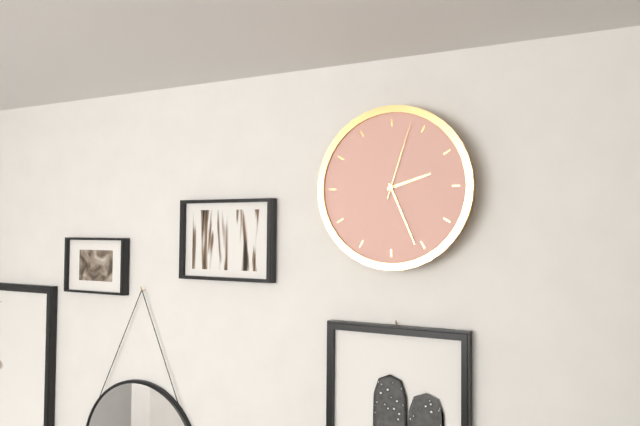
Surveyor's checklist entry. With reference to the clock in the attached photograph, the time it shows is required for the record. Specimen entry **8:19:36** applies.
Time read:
**2:26:03**
